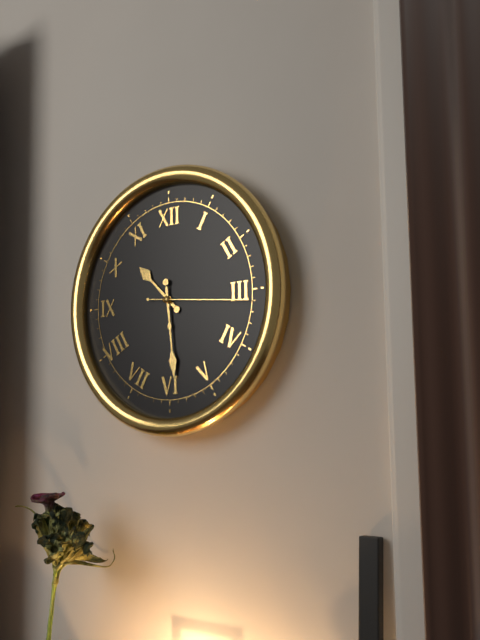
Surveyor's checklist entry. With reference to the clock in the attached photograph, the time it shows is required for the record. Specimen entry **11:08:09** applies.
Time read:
**10:29:16**
